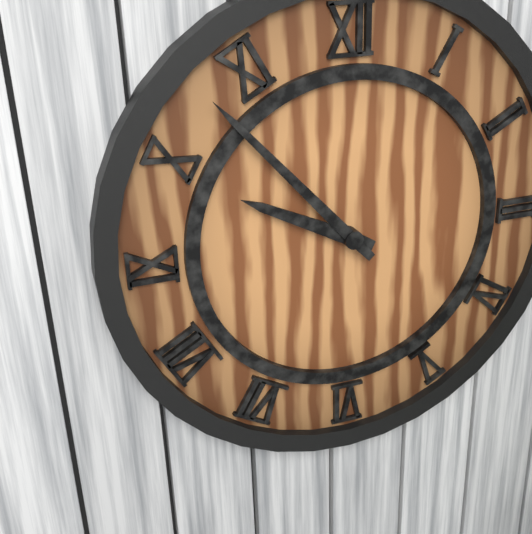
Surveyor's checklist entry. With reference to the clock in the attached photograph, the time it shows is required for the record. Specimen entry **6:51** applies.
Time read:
**9:53**
